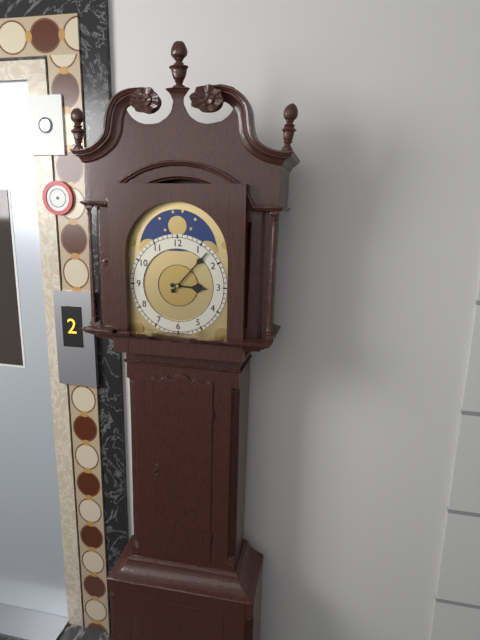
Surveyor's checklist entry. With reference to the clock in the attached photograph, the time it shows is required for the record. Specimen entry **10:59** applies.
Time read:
**3:07**
